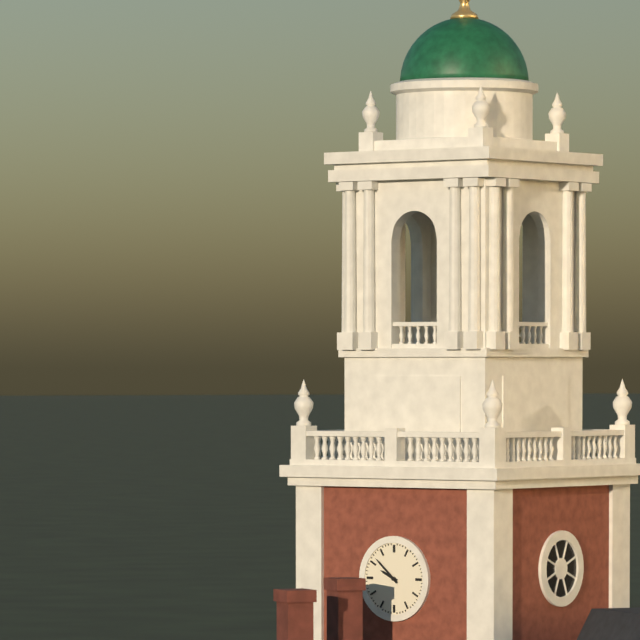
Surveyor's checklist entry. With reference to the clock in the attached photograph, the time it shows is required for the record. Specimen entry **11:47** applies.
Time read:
**9:52**
